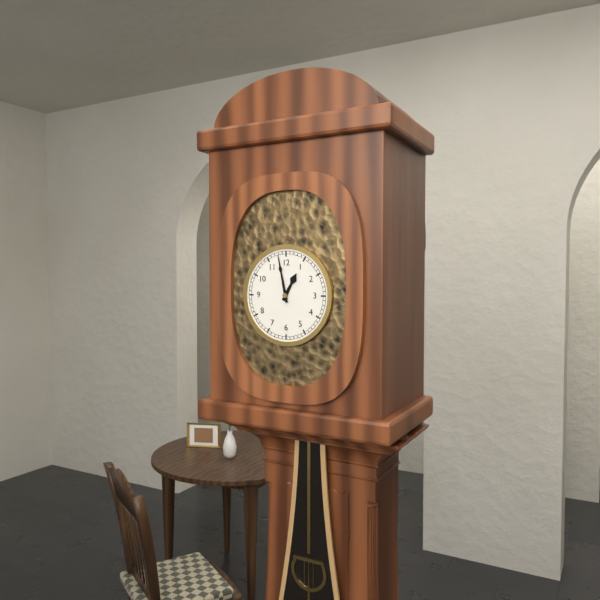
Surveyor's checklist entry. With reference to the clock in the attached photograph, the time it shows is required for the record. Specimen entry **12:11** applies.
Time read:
**12:58**
